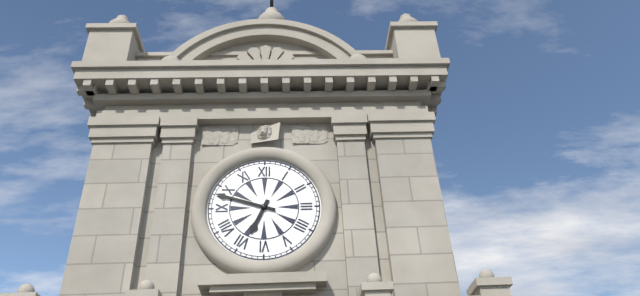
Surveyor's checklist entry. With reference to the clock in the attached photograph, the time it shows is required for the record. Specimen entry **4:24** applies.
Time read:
**6:48**
